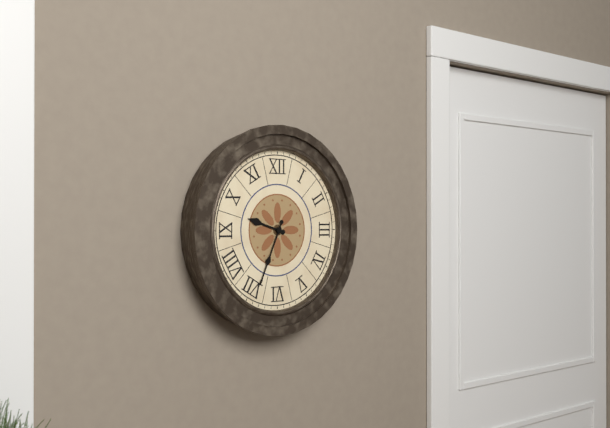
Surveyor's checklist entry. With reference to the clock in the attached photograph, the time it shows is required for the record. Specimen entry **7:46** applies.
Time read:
**9:34**
